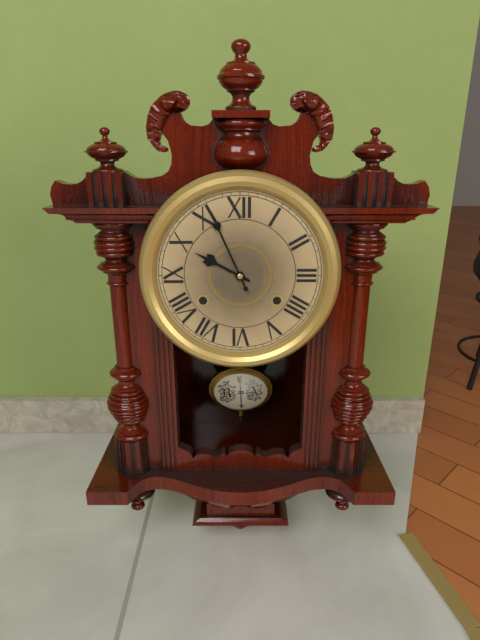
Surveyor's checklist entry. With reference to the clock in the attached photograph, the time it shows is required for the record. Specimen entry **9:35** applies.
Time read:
**9:56**
